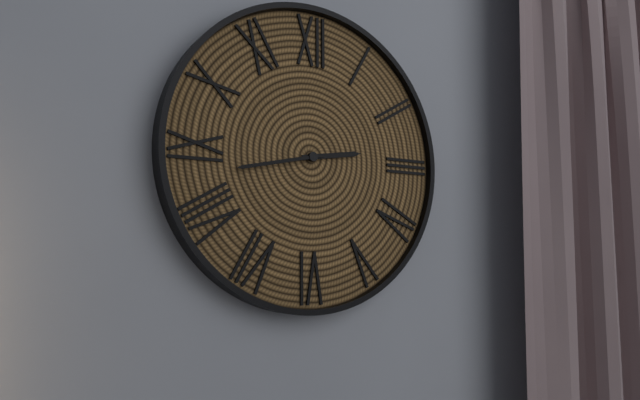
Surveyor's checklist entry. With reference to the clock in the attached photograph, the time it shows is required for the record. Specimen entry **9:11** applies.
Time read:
**2:43**
